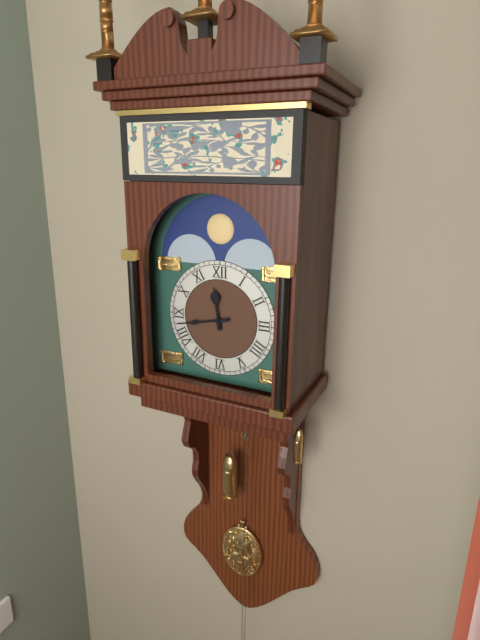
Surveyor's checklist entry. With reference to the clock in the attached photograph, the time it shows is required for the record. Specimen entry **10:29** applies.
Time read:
**11:43**
